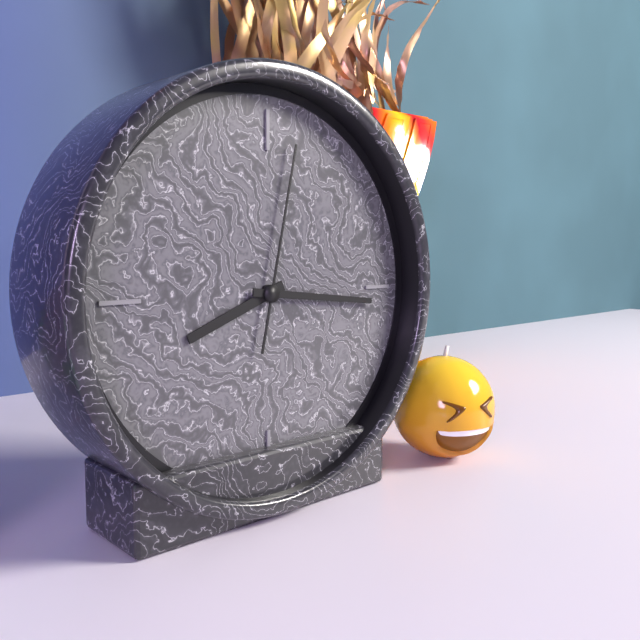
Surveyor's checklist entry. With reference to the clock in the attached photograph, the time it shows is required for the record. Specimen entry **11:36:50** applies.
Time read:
**8:16:02**
